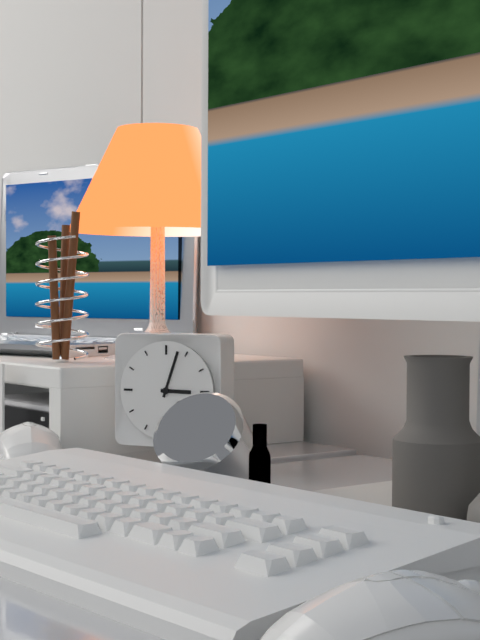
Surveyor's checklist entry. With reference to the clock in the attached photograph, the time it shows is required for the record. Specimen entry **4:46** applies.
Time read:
**3:03**
